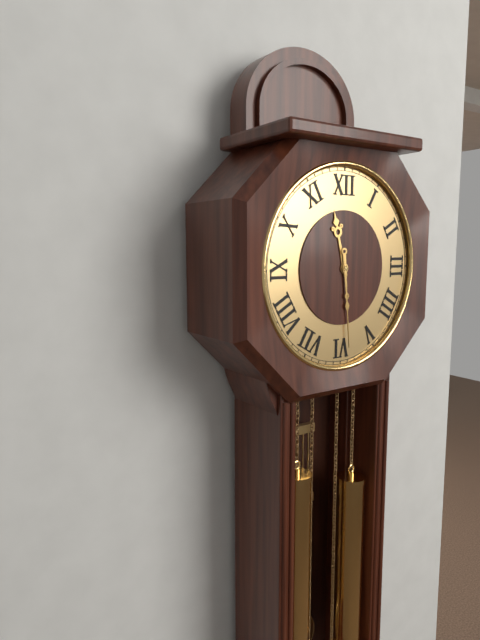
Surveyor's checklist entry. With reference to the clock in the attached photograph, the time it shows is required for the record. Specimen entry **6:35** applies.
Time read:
**11:29**
